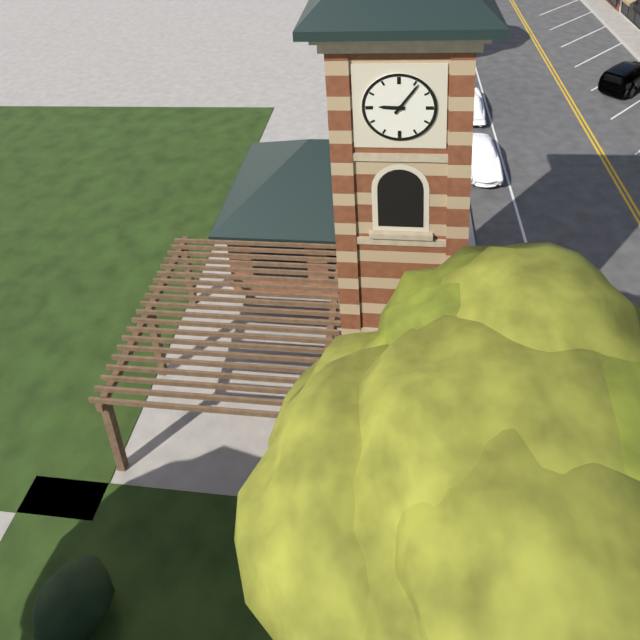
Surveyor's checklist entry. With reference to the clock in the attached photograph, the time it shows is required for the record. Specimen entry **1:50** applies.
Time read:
**9:06**
